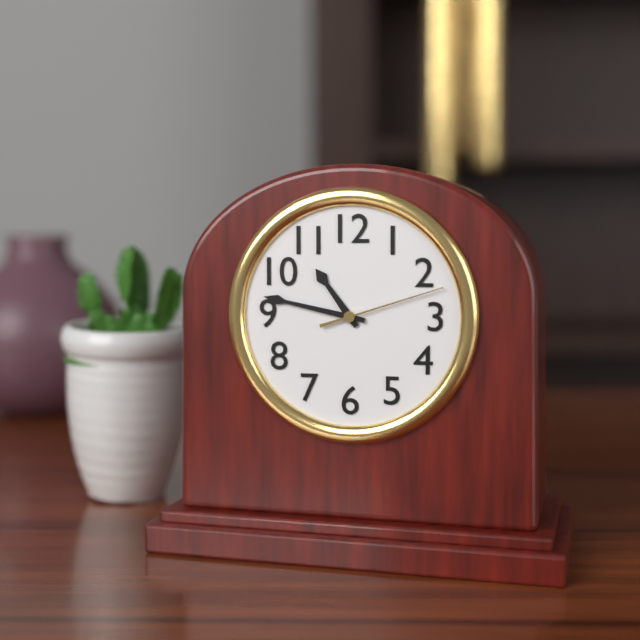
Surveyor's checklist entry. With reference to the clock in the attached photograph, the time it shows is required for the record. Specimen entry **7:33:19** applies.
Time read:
**10:47:12**
